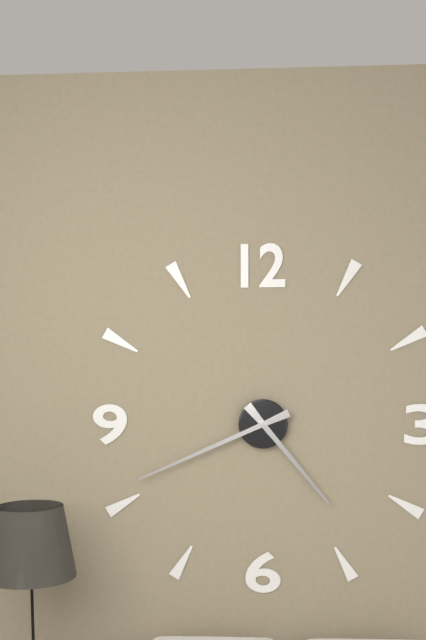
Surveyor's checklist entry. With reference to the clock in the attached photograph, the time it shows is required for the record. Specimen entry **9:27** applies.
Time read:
**4:41**
